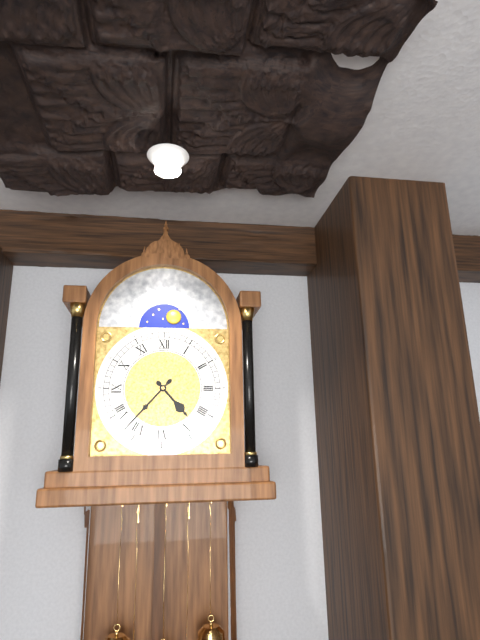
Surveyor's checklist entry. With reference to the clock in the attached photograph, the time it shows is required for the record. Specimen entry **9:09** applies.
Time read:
**4:37**
